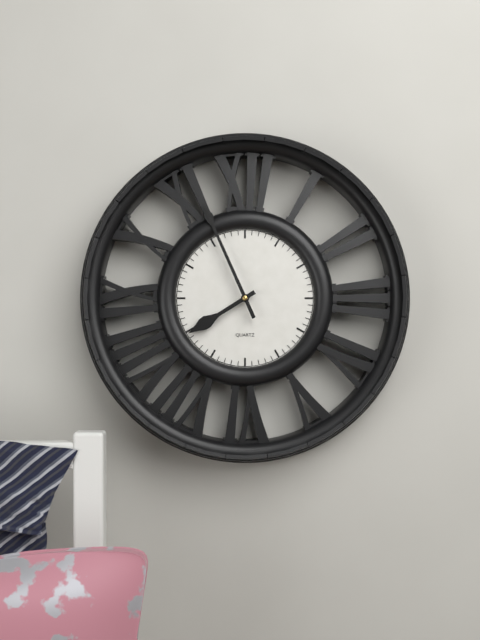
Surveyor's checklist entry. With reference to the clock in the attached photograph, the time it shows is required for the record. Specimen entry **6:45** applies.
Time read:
**7:56**
